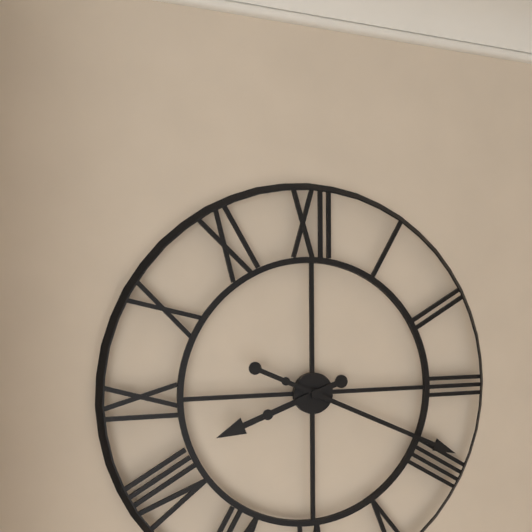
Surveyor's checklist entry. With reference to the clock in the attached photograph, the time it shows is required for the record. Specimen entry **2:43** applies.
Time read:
**8:19**
